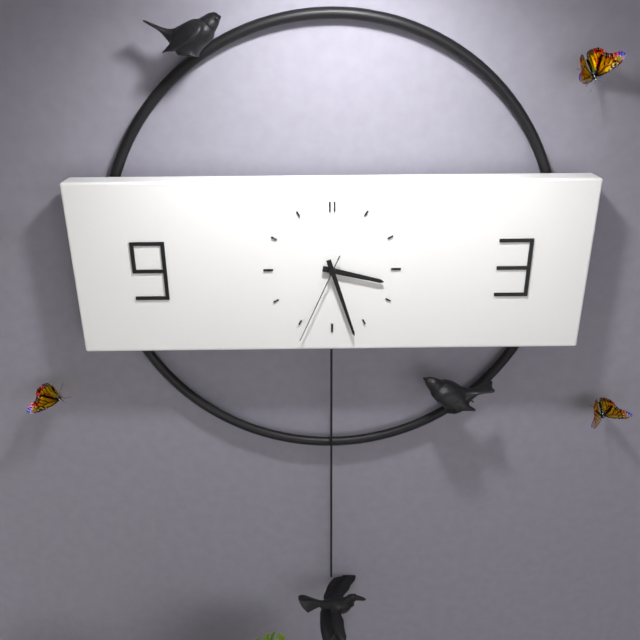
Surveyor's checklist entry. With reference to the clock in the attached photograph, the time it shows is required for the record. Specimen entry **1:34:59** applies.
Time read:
**3:27:34**
